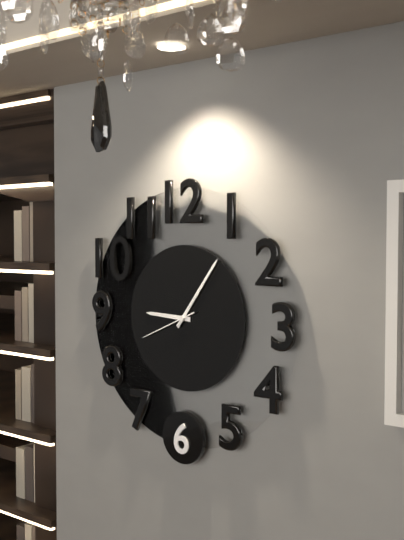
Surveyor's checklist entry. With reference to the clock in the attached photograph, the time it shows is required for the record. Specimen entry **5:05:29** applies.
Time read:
**9:06:41**
